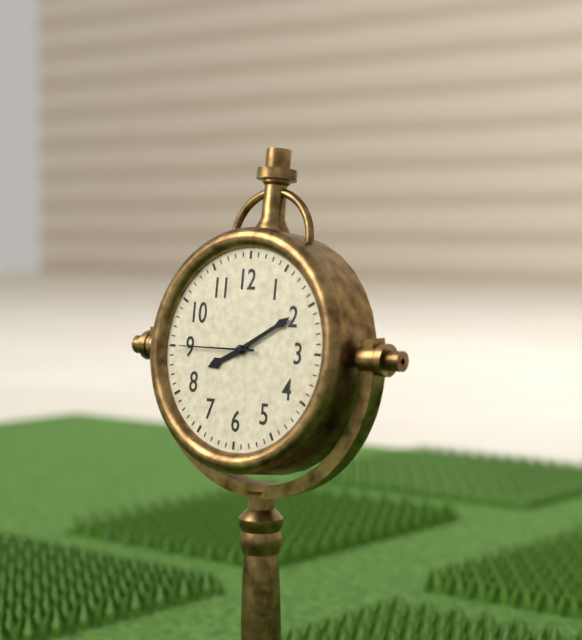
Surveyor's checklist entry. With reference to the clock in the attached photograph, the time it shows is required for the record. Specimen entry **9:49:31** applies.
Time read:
**8:10:45**
